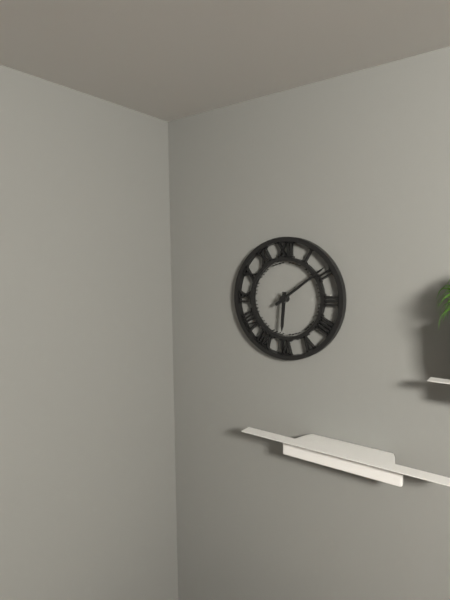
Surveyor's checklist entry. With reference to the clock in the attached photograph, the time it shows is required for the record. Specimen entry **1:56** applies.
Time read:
**6:09**
